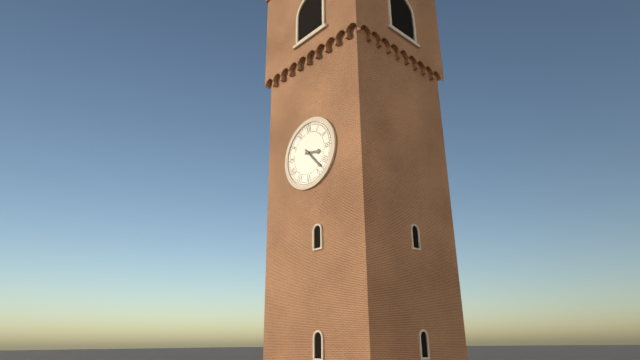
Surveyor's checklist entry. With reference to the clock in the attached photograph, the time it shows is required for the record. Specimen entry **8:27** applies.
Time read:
**3:23**
